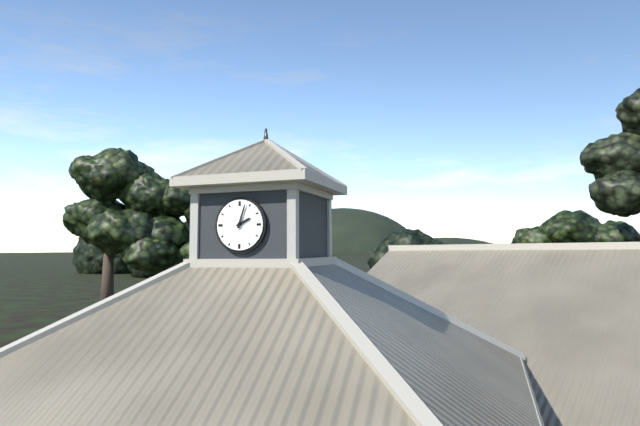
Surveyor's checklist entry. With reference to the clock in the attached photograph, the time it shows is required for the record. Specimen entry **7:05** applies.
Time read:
**2:03**
